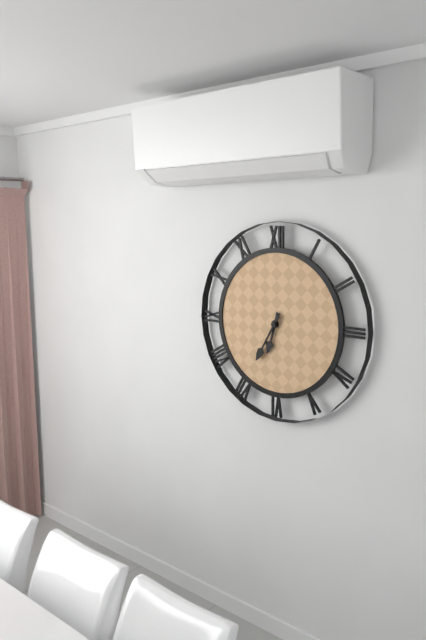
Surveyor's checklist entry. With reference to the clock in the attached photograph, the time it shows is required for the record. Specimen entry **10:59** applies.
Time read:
**6:35**
